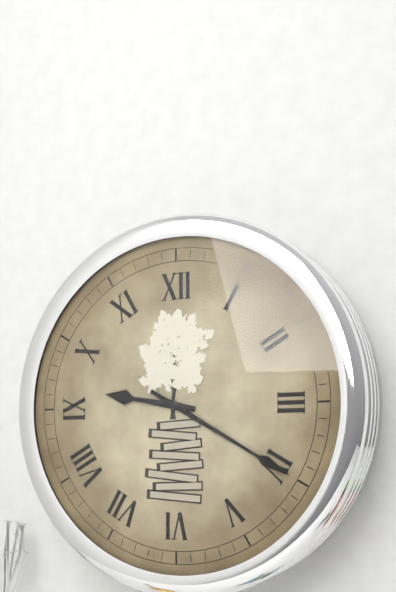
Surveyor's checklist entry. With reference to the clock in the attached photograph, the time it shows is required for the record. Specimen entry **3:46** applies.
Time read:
**9:20**
